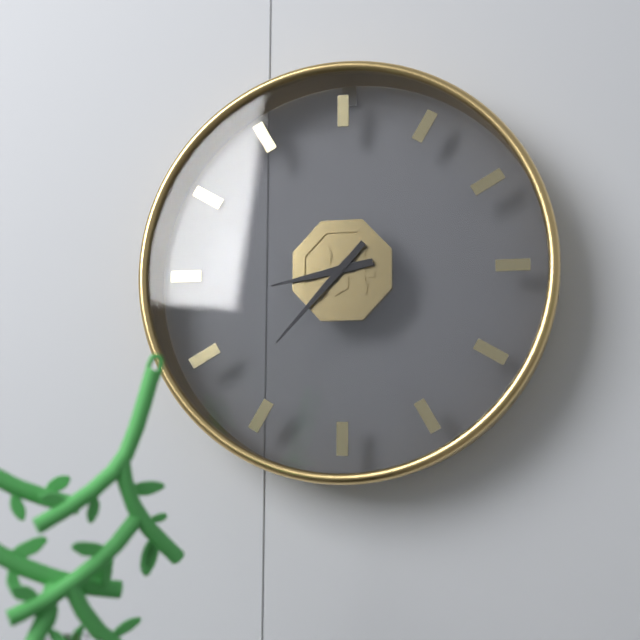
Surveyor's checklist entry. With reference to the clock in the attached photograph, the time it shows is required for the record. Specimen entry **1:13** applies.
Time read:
**8:37**
